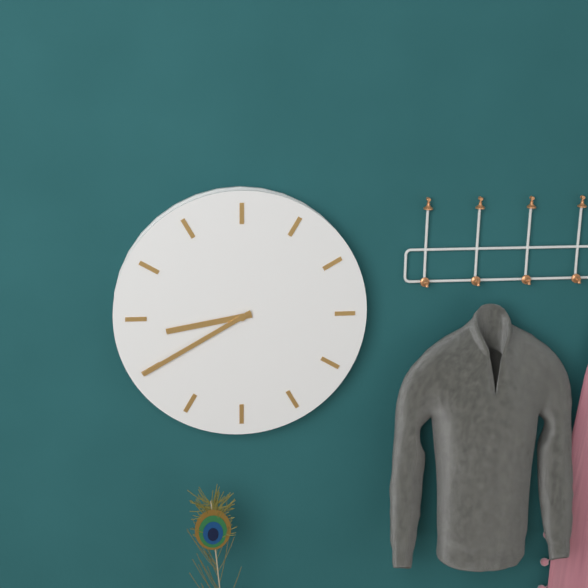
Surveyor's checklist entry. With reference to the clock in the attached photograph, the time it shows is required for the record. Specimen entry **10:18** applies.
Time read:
**8:40**
